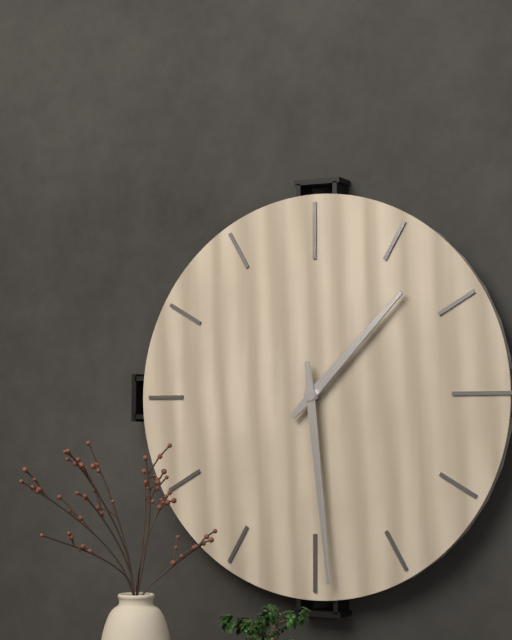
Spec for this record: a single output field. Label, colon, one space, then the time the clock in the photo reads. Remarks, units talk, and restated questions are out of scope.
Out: 1:29
